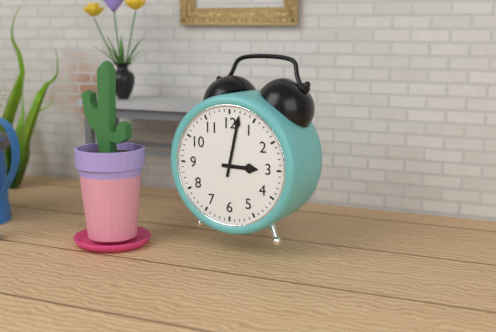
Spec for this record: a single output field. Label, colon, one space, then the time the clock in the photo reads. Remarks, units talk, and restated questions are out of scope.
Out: 3:02
